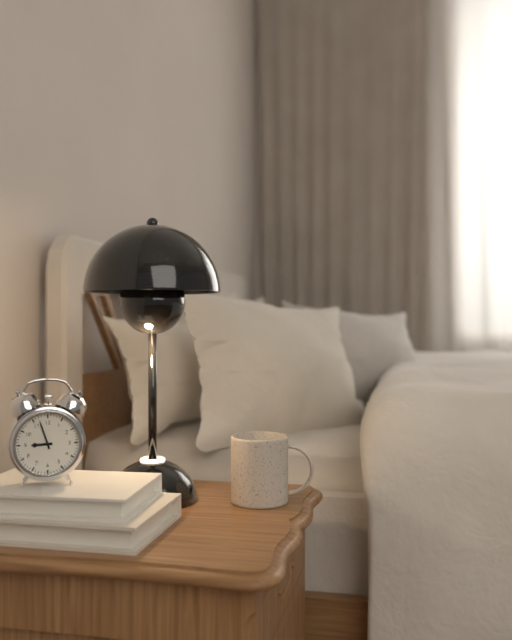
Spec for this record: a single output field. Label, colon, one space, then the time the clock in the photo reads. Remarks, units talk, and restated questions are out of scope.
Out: 8:57
